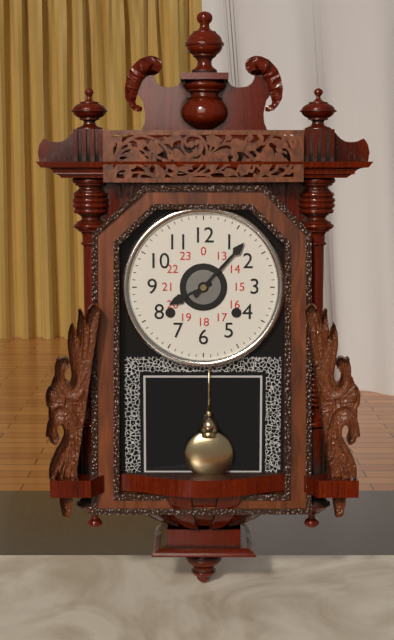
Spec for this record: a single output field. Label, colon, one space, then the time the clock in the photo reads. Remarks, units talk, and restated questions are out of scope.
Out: 8:07
